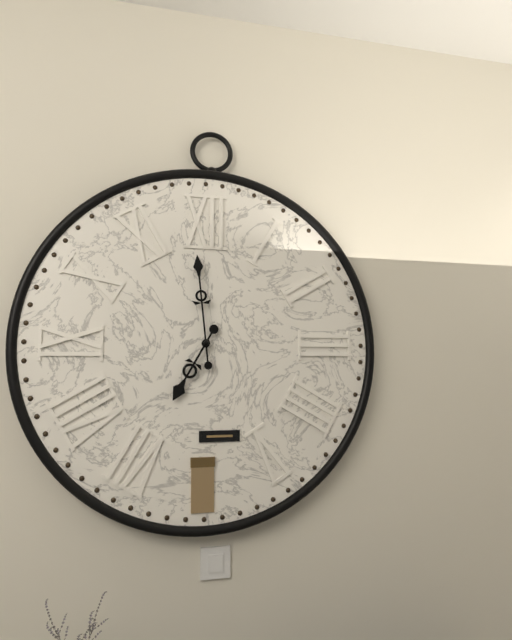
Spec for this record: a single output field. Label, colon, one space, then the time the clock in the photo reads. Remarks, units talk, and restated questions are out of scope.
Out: 6:59
